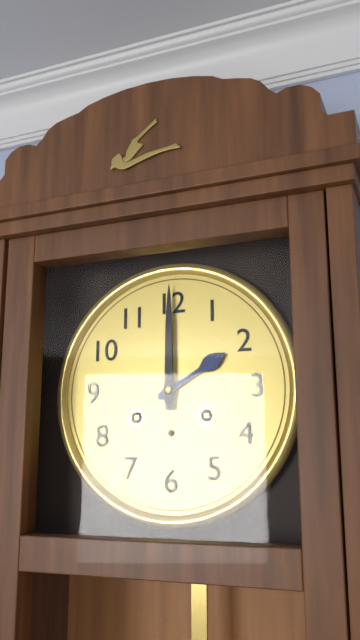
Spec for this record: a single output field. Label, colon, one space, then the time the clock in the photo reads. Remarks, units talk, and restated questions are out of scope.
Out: 2:00
